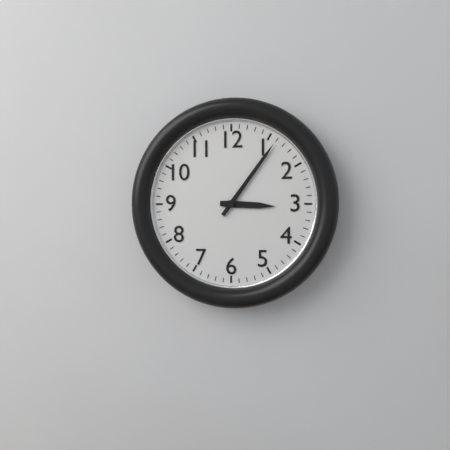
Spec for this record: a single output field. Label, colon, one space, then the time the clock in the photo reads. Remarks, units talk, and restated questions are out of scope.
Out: 3:06
